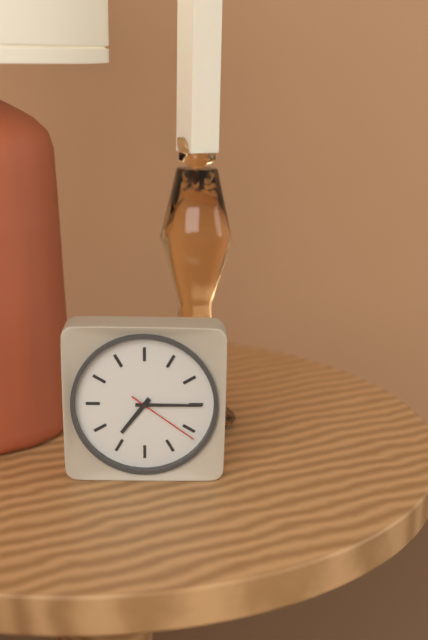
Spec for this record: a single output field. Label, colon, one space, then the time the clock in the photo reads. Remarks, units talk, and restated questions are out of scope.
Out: 7:15:21
